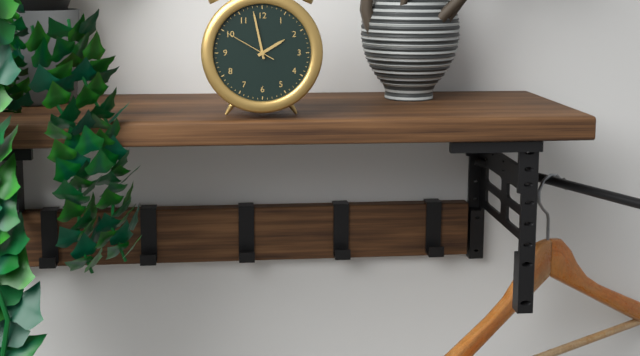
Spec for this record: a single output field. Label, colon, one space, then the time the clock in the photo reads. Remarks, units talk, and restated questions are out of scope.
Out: 1:58:50
